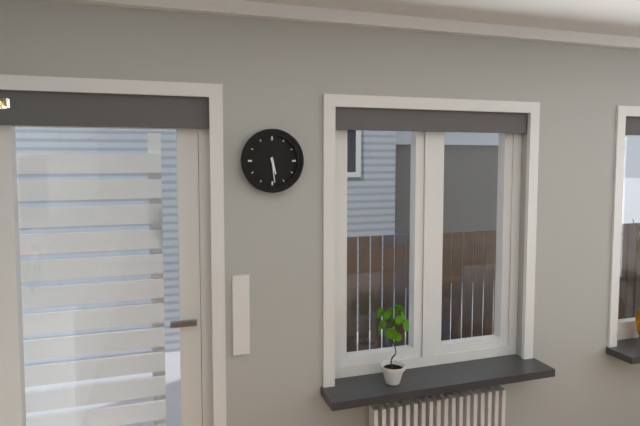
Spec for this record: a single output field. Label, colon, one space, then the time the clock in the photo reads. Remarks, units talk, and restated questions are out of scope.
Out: 5:29
